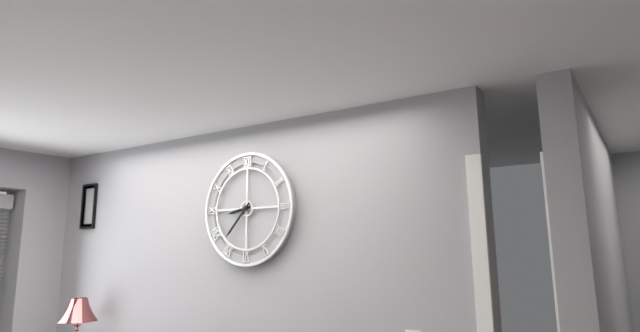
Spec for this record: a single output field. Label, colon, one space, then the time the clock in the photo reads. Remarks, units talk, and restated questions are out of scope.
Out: 8:37
